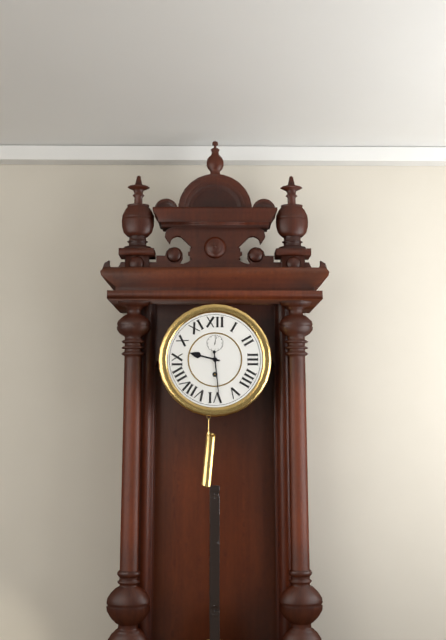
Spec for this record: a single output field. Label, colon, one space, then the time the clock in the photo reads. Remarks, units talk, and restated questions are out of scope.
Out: 9:29
